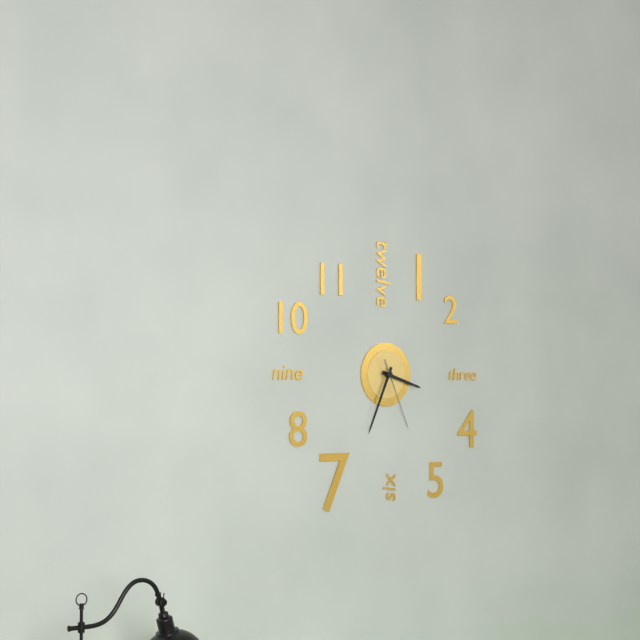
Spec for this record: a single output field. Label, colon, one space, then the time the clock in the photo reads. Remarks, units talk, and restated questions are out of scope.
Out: 3:34:26
